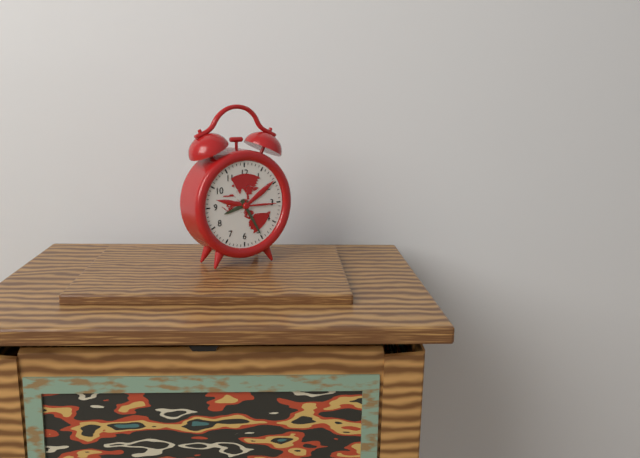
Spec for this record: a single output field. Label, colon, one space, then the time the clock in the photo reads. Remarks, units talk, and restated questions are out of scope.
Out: 8:25
